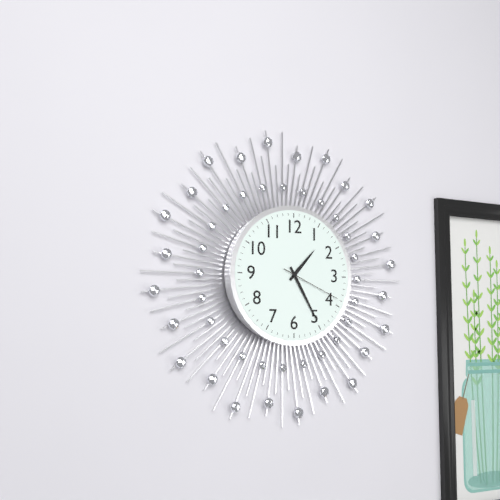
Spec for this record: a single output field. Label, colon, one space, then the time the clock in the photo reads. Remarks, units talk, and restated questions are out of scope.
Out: 1:25:19
